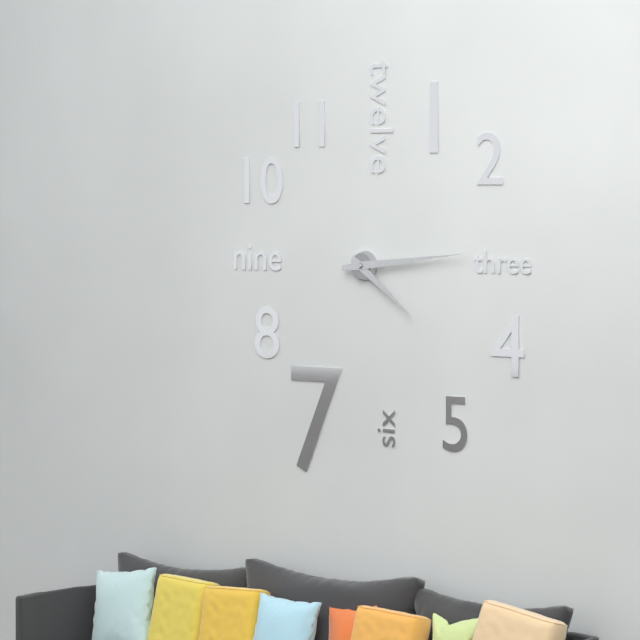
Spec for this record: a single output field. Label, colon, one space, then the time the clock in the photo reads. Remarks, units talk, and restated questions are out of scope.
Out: 4:14
